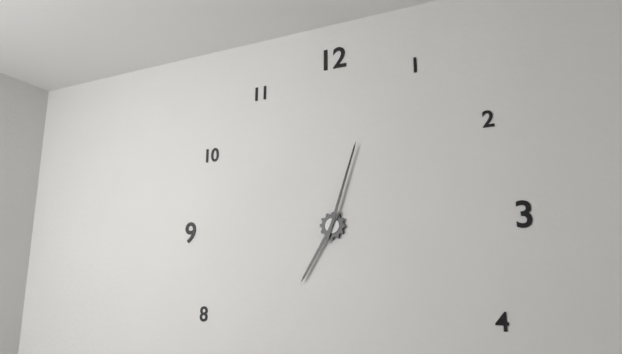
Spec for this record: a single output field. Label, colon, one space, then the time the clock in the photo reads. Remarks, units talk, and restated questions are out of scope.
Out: 7:03
